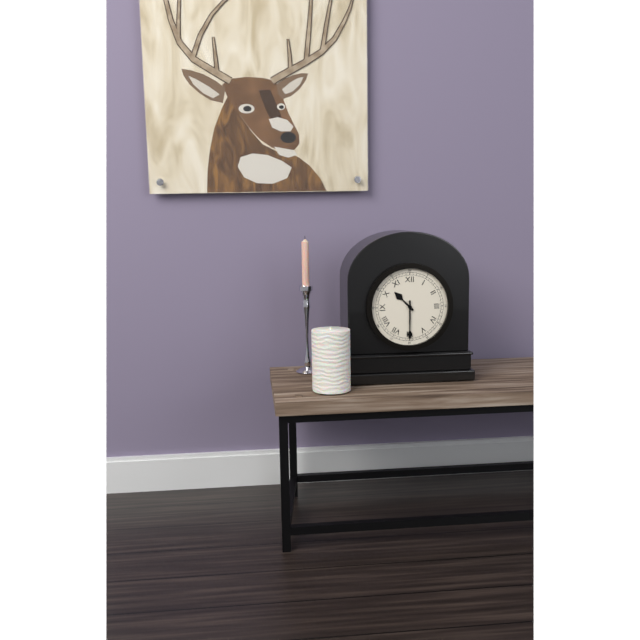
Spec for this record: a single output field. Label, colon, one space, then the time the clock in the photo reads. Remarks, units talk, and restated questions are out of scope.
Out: 10:30
